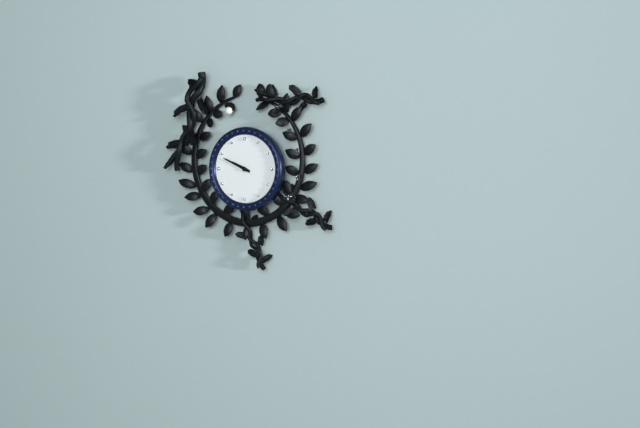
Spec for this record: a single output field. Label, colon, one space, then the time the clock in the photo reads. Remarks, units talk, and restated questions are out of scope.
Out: 9:49
